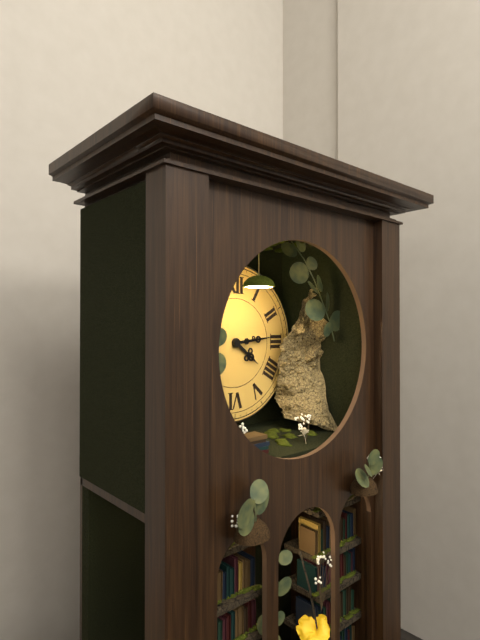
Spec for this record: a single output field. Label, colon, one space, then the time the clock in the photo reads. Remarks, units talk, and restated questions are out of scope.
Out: 4:14
